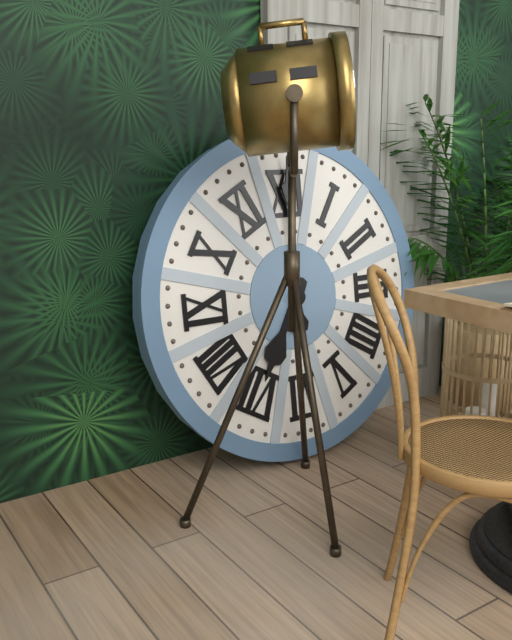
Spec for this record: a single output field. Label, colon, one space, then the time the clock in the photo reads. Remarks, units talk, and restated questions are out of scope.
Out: 7:00
